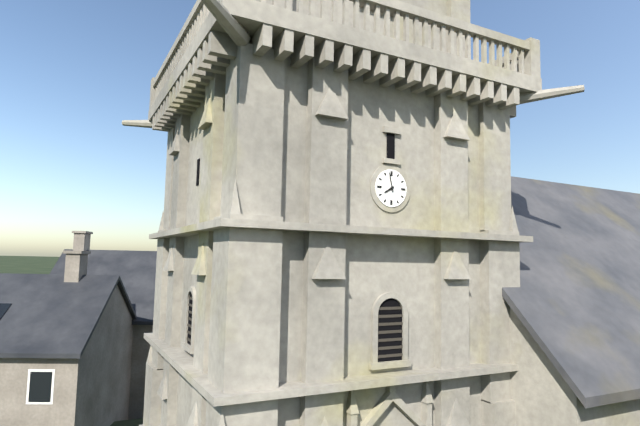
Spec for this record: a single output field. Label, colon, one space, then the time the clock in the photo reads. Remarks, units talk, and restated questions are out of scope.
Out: 7:58
